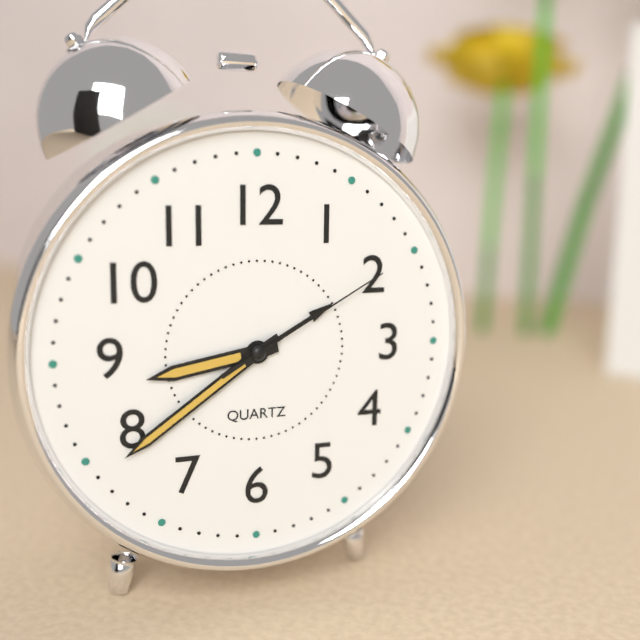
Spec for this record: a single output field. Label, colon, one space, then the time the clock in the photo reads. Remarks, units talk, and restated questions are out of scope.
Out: 8:39:10
